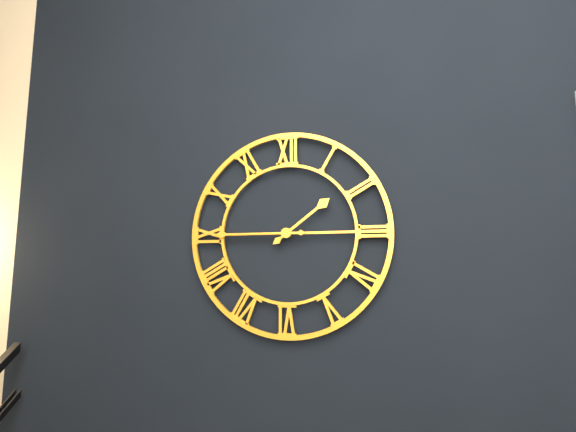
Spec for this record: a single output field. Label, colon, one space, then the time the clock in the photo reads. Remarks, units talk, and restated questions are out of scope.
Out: 1:45
